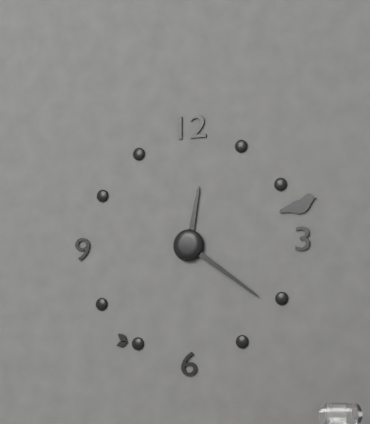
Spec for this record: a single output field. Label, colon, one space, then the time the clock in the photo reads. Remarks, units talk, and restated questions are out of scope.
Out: 12:21
